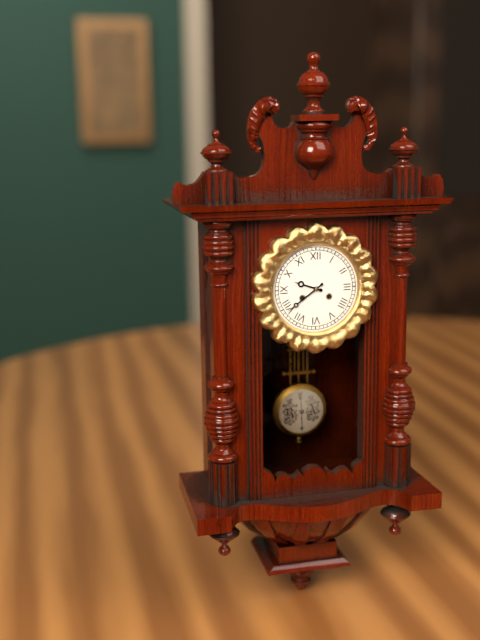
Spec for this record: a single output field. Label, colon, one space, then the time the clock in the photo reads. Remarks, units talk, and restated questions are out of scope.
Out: 9:39
